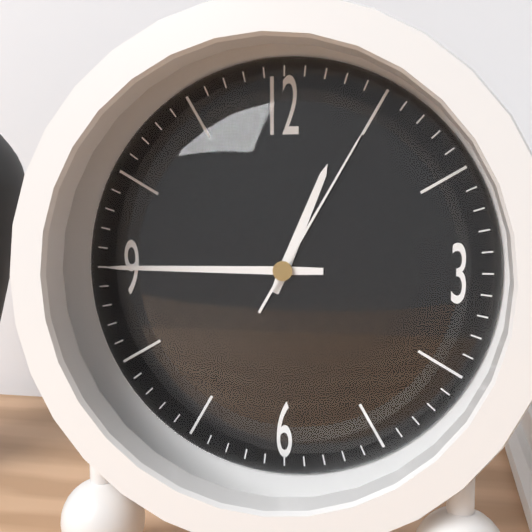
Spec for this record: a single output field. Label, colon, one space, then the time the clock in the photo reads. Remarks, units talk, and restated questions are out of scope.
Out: 12:45:05
